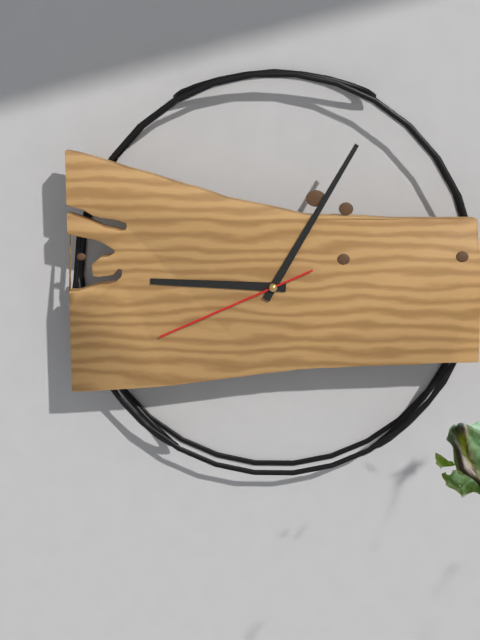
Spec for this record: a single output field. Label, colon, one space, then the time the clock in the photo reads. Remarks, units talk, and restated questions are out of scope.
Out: 9:05:41
